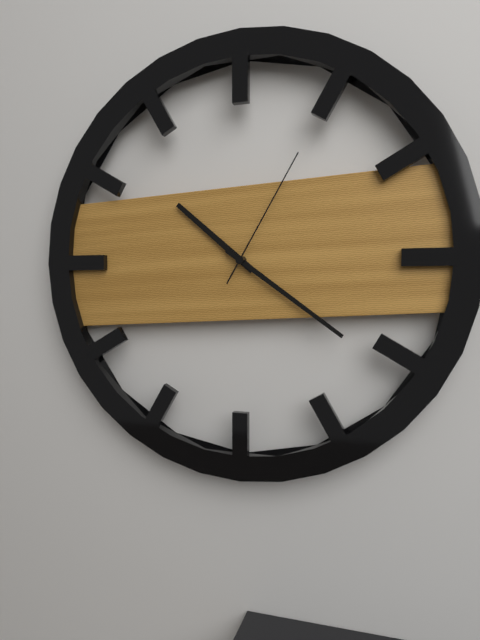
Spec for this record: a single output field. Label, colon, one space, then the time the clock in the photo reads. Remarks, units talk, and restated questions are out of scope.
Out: 10:21:05
